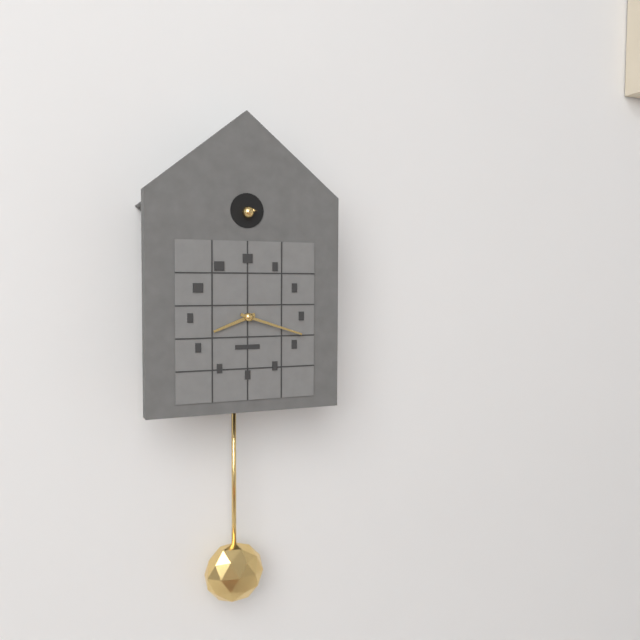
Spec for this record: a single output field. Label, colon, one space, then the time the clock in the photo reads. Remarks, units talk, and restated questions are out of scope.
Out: 8:18
